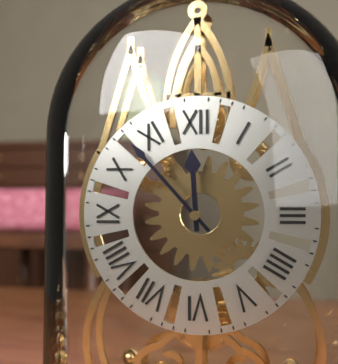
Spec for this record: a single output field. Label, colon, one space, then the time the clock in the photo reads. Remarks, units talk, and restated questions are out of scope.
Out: 11:53
